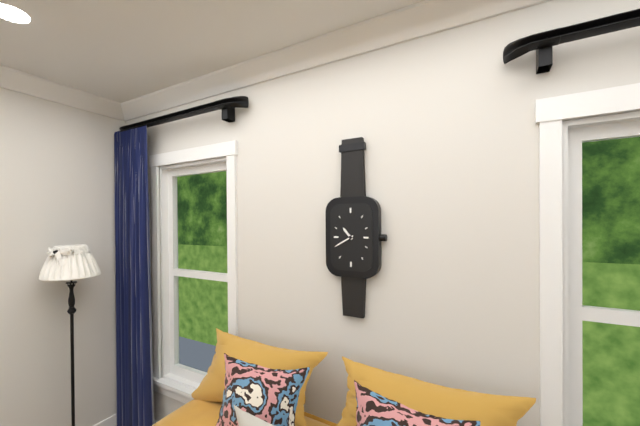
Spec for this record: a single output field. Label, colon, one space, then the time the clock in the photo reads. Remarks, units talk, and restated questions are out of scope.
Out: 10:40
